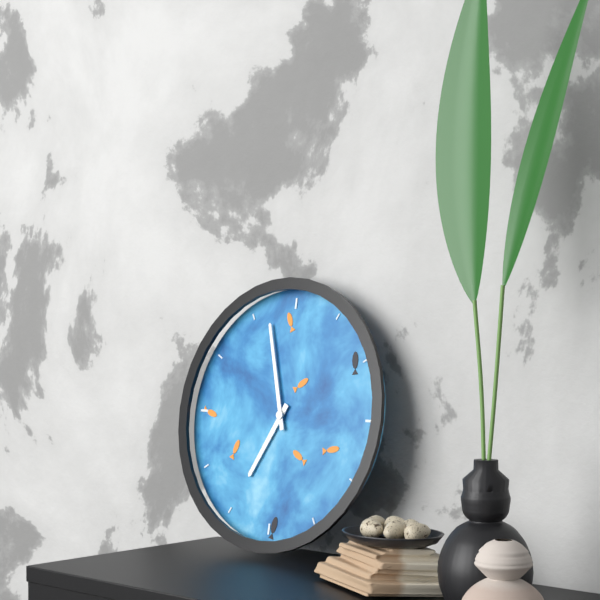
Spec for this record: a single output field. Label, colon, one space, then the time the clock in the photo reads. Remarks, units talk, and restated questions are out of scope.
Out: 6:57
